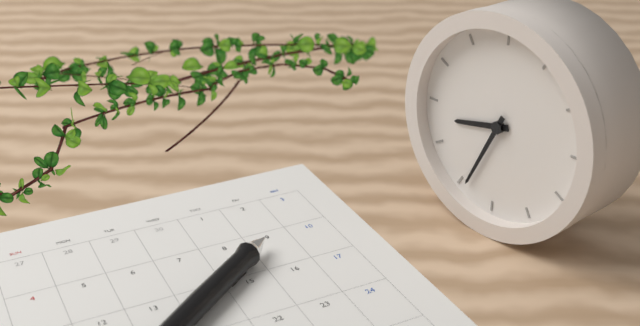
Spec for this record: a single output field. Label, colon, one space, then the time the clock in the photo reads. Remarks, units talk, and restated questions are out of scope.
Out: 8:34
